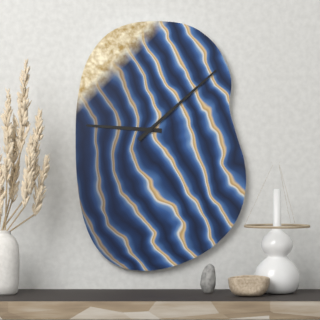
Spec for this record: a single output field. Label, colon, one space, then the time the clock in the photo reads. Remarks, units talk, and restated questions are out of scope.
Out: 9:08
